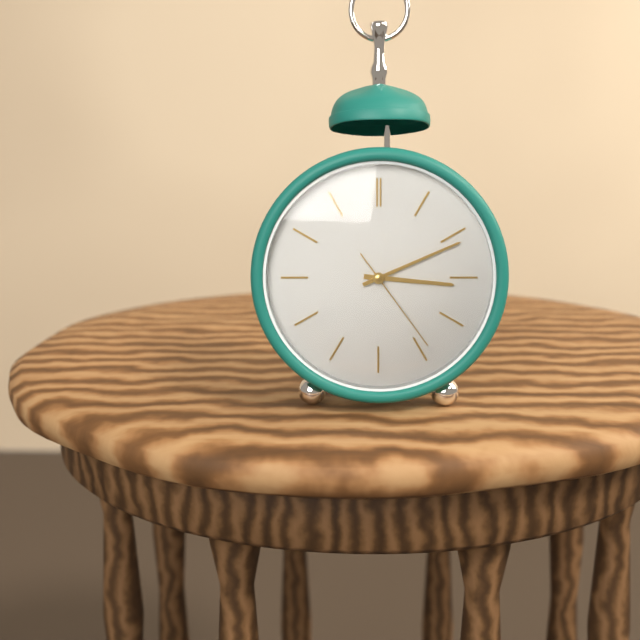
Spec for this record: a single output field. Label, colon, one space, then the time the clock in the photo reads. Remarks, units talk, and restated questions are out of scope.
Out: 3:11:24
